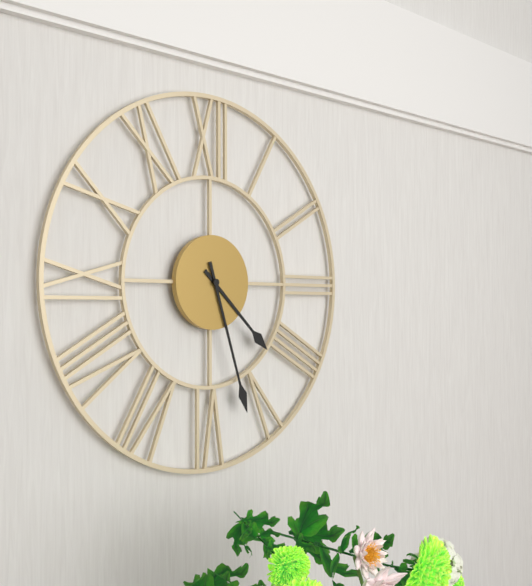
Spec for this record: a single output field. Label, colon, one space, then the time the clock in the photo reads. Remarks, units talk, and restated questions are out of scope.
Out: 4:27
